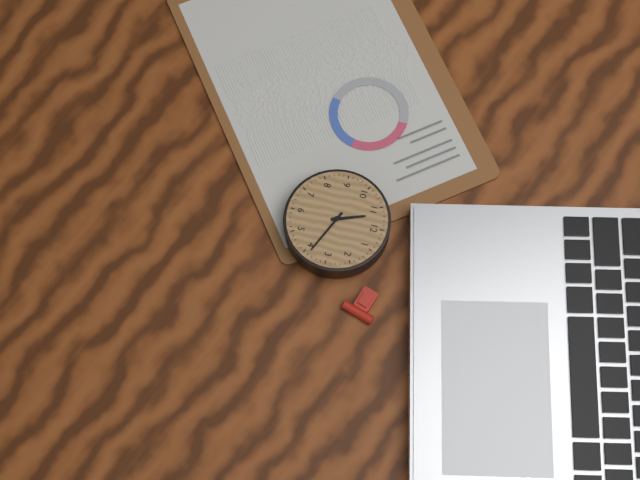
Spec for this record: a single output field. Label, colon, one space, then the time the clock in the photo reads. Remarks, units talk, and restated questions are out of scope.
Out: 11:19
